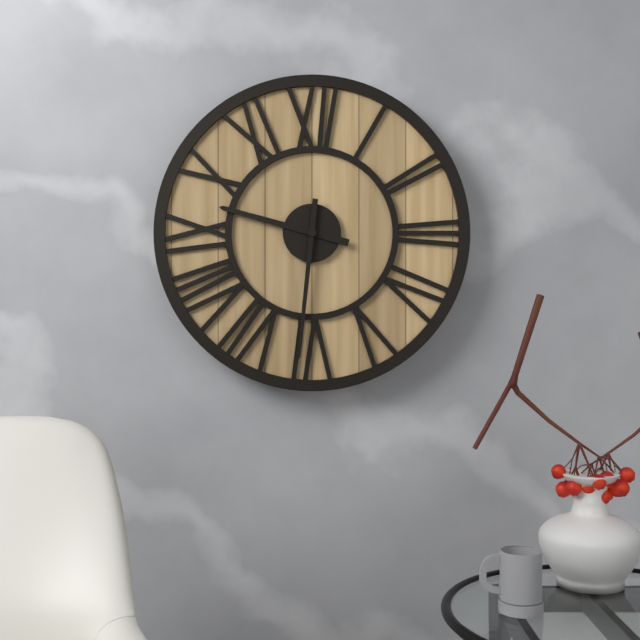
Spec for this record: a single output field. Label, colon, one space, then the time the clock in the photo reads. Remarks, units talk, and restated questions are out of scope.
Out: 9:31
